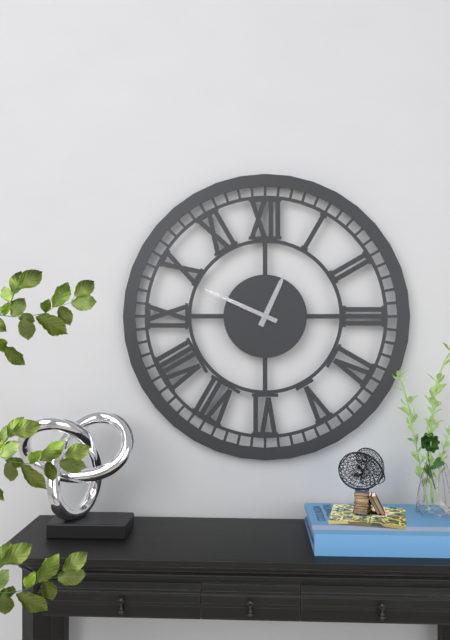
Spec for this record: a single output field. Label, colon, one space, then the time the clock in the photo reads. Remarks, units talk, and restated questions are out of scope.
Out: 12:49
